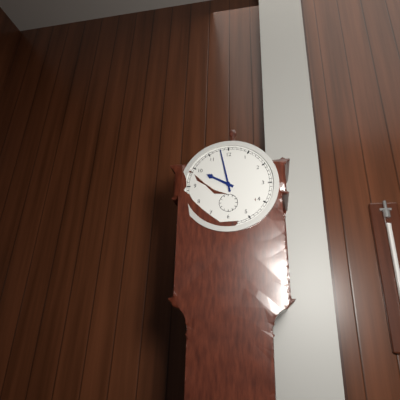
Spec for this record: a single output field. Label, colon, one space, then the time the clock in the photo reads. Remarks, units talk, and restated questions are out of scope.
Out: 9:58
